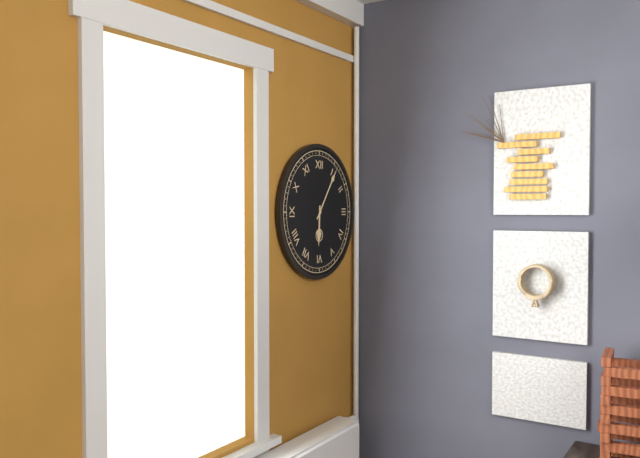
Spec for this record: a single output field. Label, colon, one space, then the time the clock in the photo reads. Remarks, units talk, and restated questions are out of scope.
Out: 6:06
